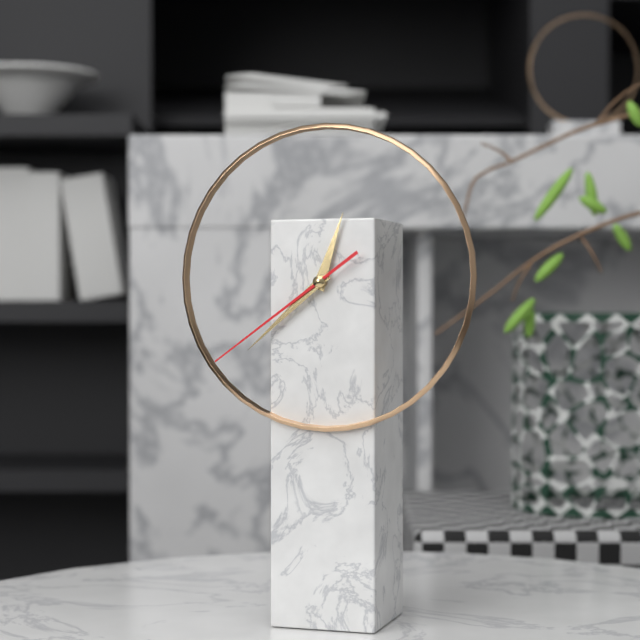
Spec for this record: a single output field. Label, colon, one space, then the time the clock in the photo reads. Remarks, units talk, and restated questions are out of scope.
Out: 12:38:39
